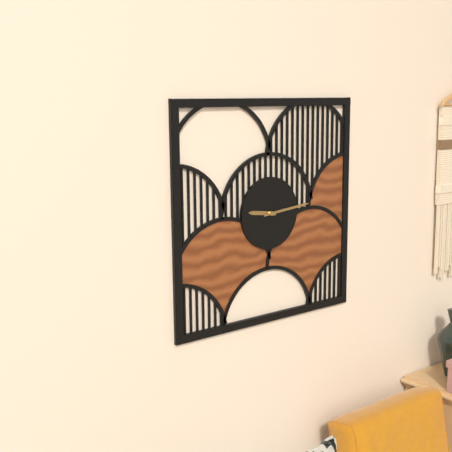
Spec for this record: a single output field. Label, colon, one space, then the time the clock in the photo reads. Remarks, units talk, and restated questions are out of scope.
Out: 9:14
